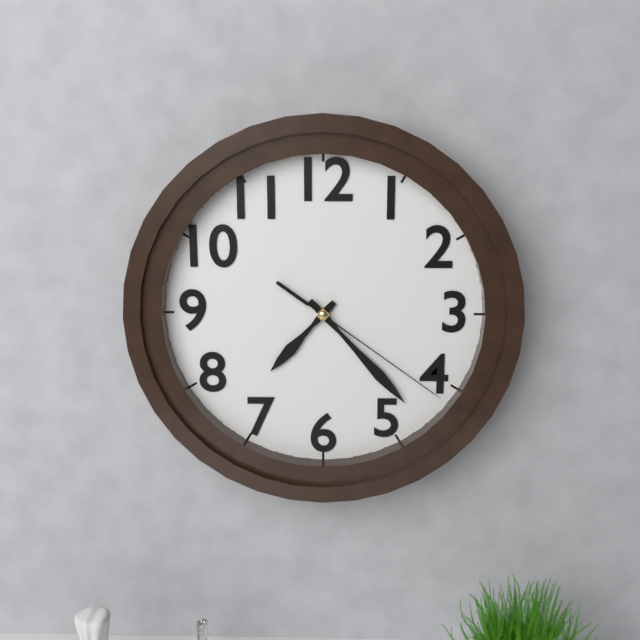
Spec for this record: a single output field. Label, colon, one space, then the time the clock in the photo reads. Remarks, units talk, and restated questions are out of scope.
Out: 7:23:21
